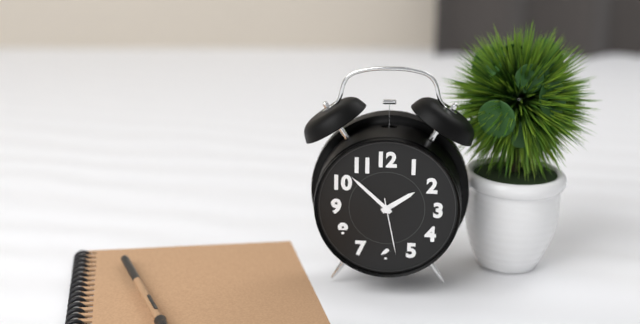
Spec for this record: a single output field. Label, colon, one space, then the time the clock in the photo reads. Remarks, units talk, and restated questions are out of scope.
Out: 1:52:28
